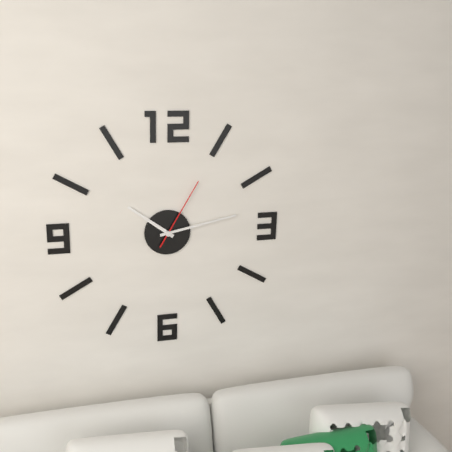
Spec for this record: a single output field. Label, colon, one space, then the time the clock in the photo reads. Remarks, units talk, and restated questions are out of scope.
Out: 10:13:05
